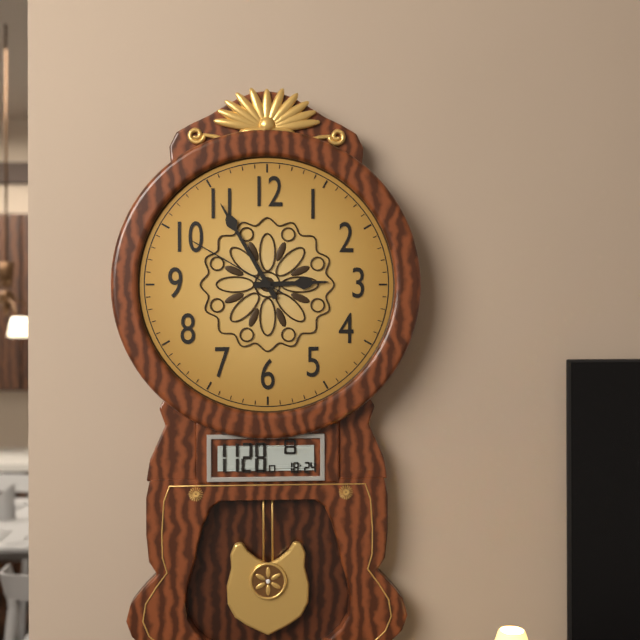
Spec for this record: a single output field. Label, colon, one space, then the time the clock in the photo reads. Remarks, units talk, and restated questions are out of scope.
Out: 2:55:50
